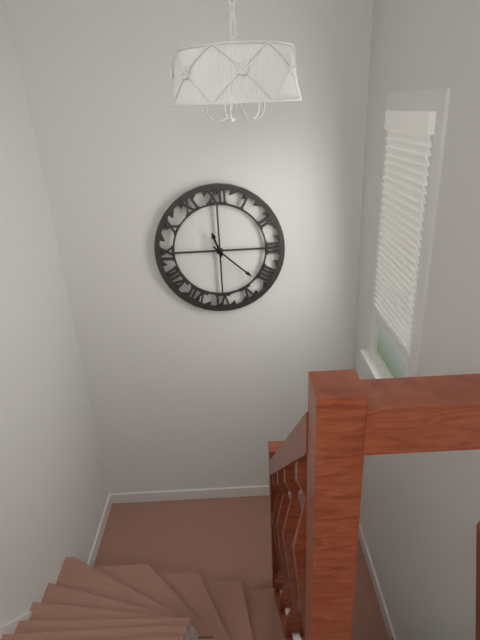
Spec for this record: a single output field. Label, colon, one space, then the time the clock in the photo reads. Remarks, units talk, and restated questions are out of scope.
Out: 11:22
